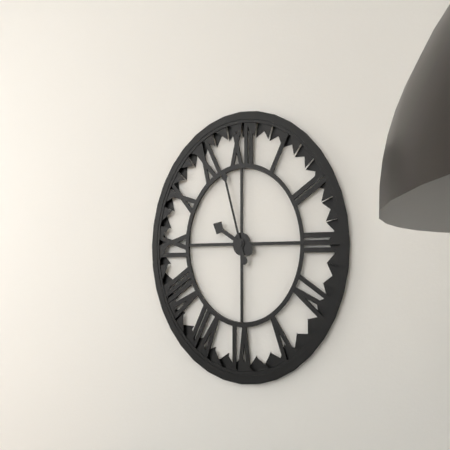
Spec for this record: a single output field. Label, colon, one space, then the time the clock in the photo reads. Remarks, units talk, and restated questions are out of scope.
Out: 9:57
